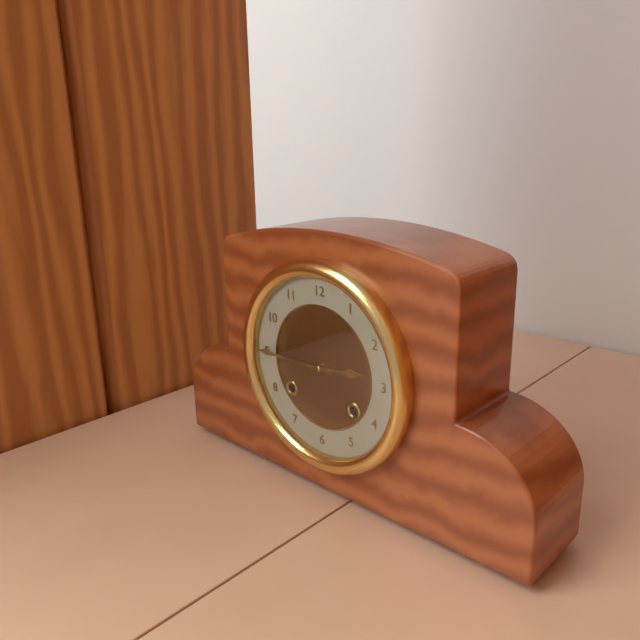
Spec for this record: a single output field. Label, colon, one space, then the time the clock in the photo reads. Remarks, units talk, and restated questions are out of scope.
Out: 2:45
